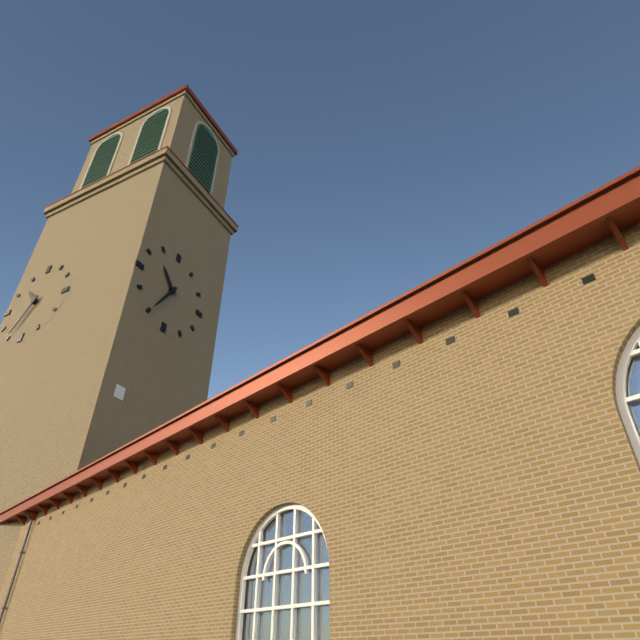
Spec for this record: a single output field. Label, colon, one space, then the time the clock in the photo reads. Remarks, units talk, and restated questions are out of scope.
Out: 10:35
